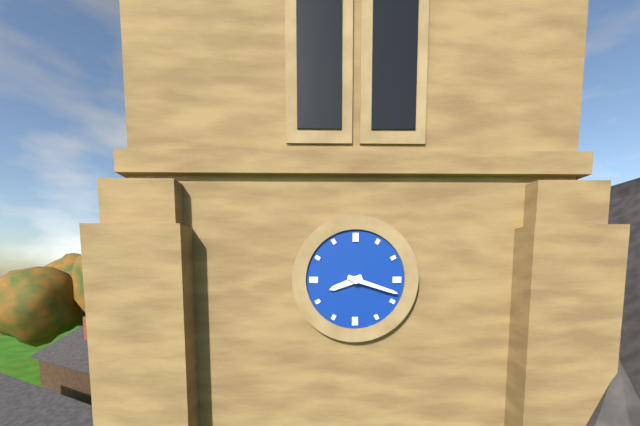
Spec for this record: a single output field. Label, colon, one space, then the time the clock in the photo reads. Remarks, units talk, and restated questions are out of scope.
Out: 8:18
